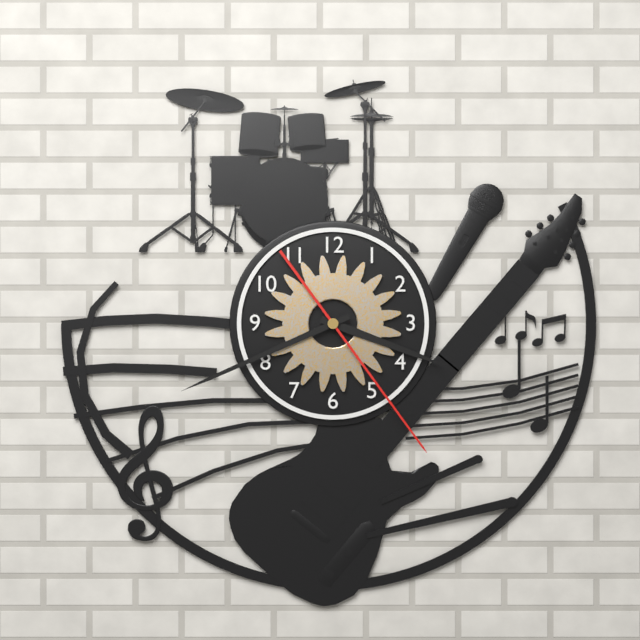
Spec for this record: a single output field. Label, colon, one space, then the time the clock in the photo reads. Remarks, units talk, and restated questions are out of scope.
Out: 3:41:24
